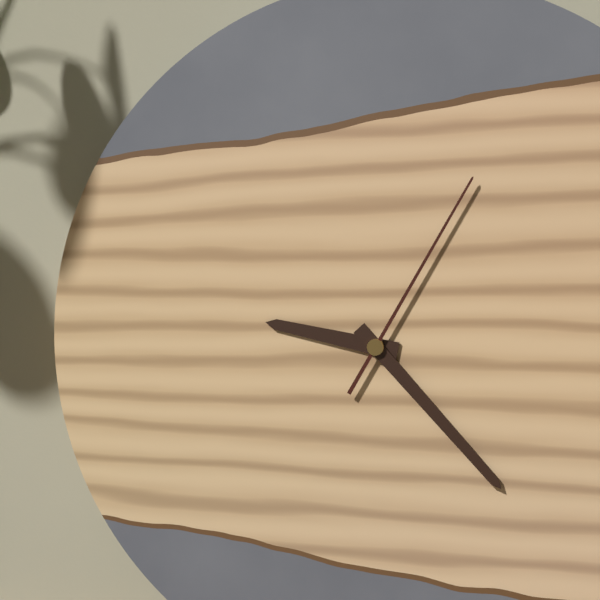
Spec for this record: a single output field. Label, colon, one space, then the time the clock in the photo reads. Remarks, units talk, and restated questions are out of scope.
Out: 9:23:05
